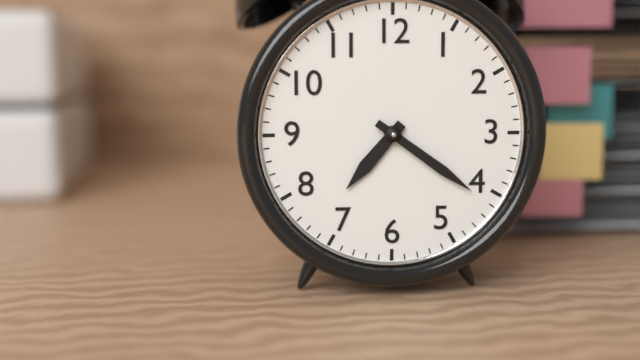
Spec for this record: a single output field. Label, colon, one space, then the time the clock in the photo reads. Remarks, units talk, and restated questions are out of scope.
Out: 7:21
